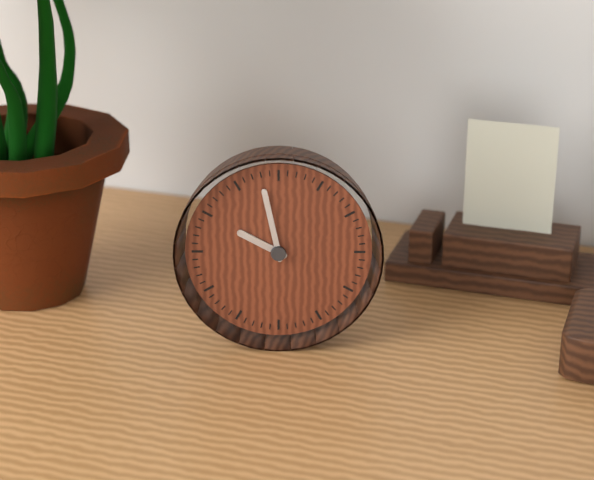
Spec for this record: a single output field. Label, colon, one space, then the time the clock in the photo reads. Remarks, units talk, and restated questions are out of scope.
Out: 9:58
